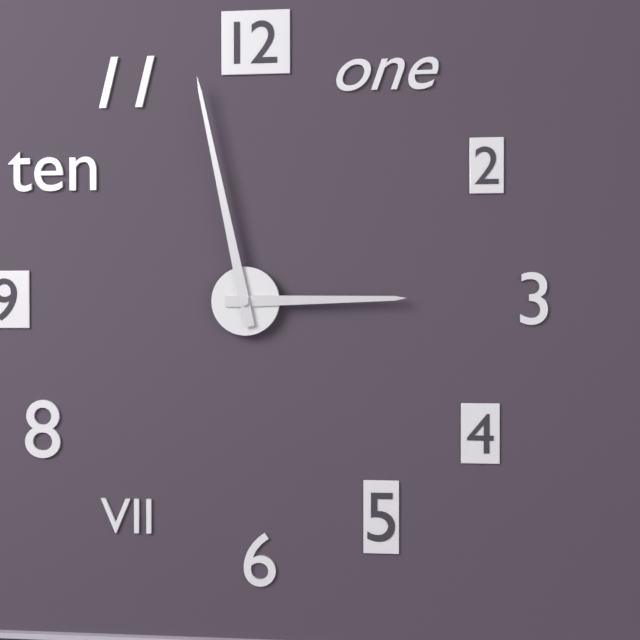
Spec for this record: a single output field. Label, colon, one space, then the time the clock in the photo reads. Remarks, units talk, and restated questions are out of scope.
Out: 2:58
